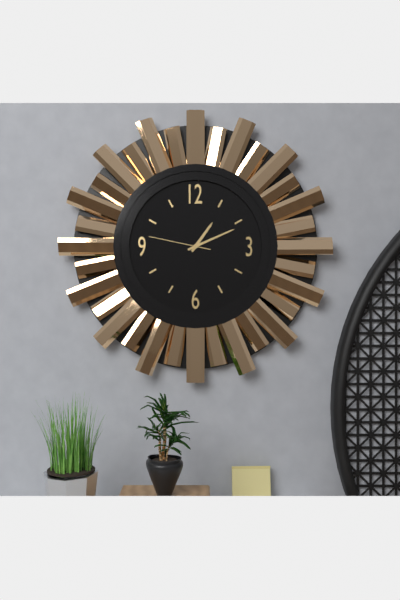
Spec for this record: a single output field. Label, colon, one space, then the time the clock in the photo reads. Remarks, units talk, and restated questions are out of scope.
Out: 1:11:47
